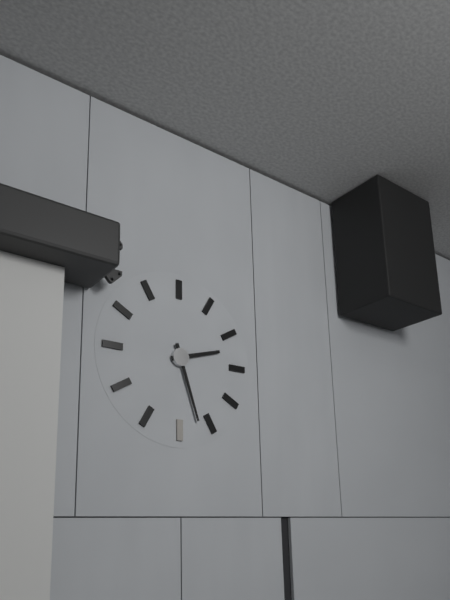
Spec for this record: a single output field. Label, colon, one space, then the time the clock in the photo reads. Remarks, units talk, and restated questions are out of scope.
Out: 2:27
